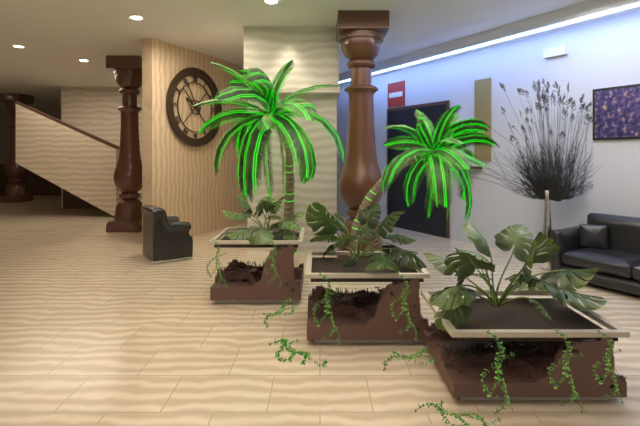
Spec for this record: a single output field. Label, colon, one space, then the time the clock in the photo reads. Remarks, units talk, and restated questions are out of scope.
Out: 9:55
